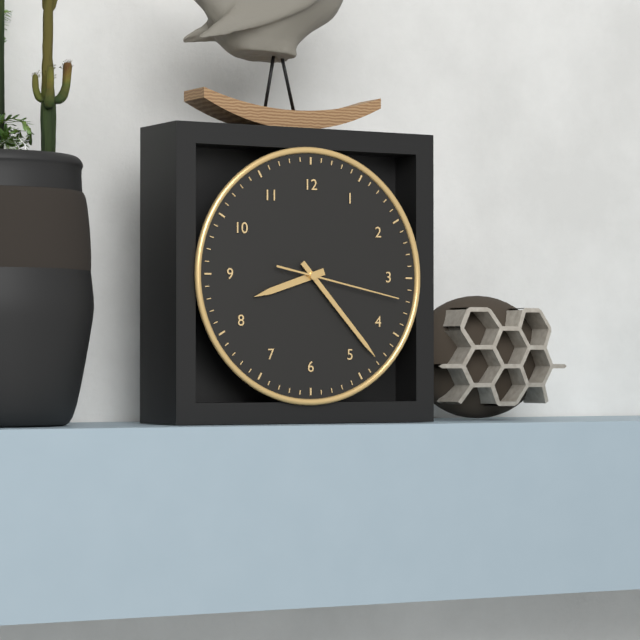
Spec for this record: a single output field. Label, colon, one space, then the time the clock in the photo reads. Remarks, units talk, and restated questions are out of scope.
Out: 8:23:17
